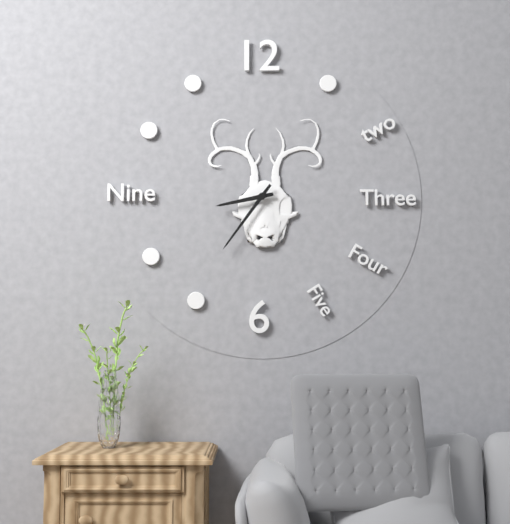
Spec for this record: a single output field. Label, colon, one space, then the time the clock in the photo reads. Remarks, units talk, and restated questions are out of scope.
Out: 8:36
